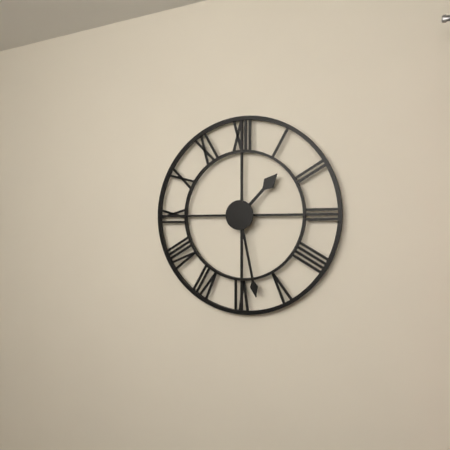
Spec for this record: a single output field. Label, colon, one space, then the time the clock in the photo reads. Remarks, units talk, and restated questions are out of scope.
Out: 1:28
